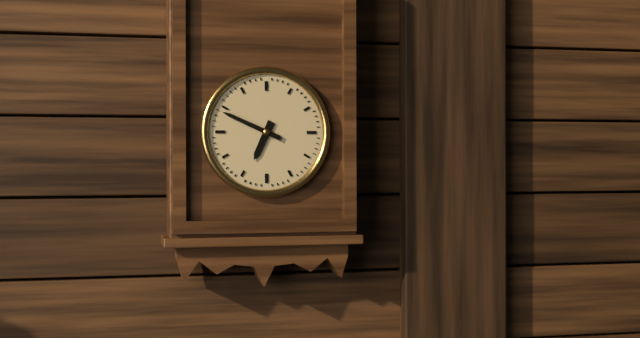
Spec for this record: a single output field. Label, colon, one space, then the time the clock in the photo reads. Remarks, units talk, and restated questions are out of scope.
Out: 6:49
